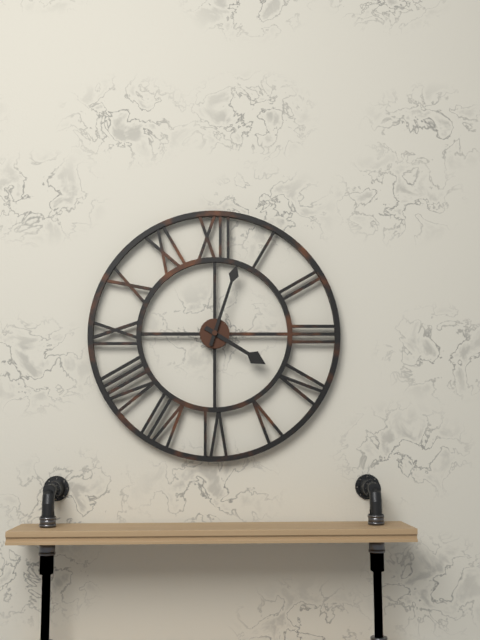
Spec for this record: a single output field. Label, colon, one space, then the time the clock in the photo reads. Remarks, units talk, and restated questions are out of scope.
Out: 4:03
